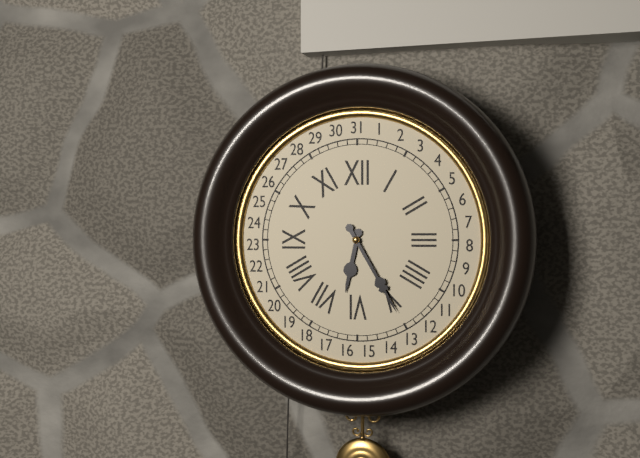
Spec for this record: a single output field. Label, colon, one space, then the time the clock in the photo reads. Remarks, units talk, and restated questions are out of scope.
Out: 6:25
